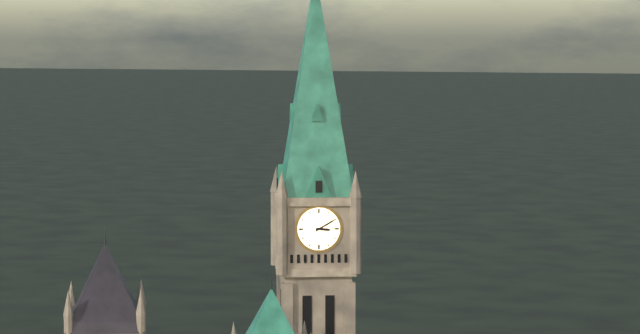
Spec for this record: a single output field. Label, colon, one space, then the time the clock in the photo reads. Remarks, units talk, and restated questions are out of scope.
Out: 3:10
